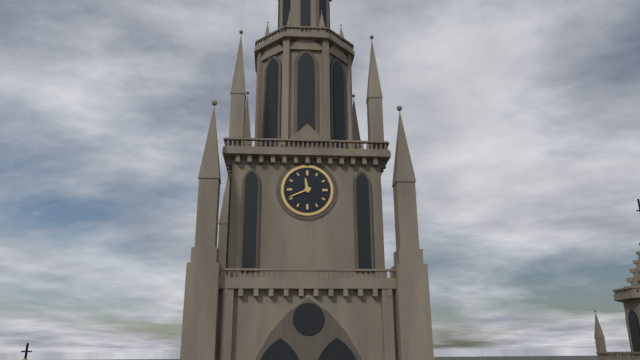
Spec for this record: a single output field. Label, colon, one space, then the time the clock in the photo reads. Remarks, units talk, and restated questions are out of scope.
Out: 11:41
